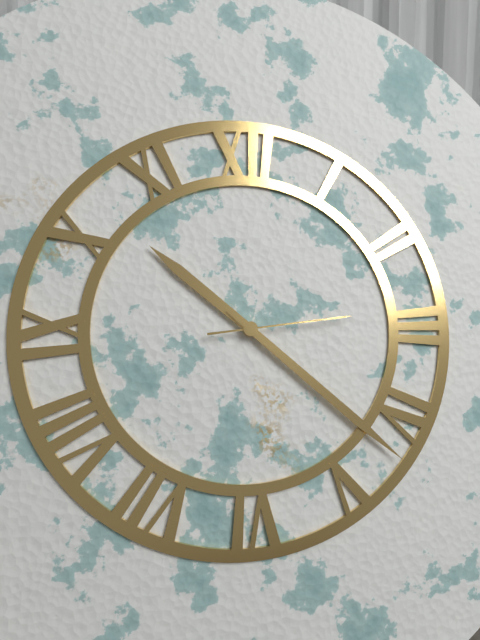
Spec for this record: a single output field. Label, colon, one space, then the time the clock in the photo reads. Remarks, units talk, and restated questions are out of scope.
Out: 10:22:14
